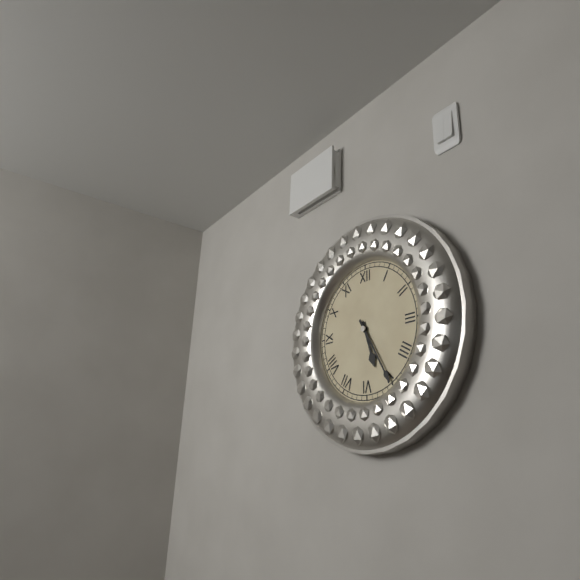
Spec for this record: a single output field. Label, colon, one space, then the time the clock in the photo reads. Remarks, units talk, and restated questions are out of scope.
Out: 5:25
